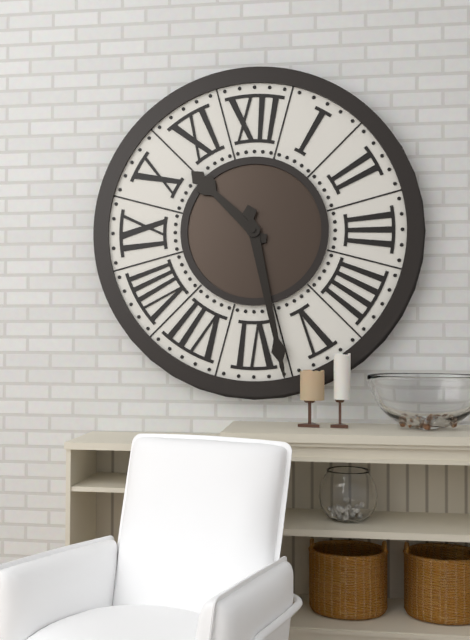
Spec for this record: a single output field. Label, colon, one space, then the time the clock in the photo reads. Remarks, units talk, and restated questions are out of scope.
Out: 10:28
